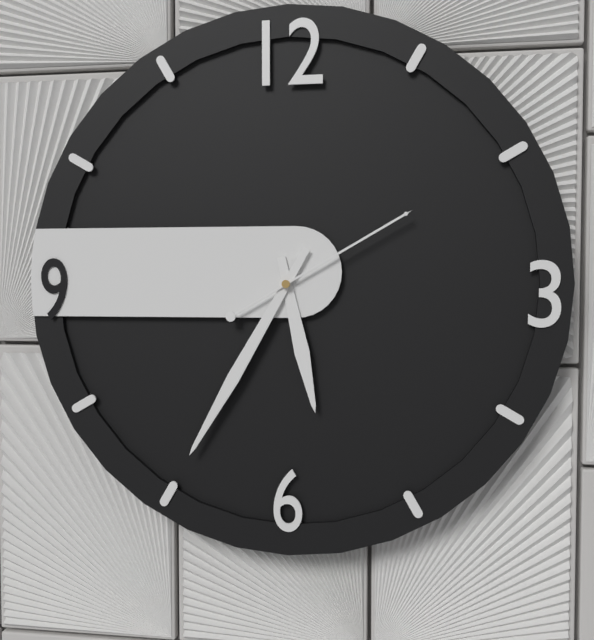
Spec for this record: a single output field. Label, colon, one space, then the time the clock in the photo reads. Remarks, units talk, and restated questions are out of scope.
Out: 5:35:10
